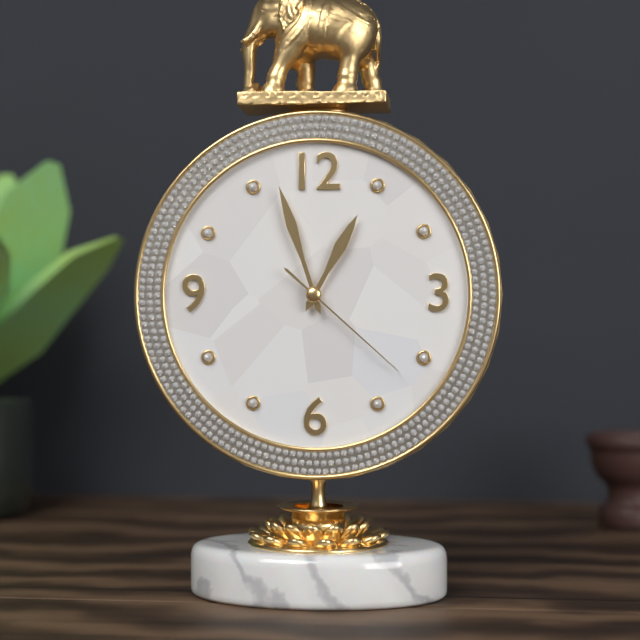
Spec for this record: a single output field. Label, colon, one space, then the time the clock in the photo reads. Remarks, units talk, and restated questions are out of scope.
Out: 12:57:22
